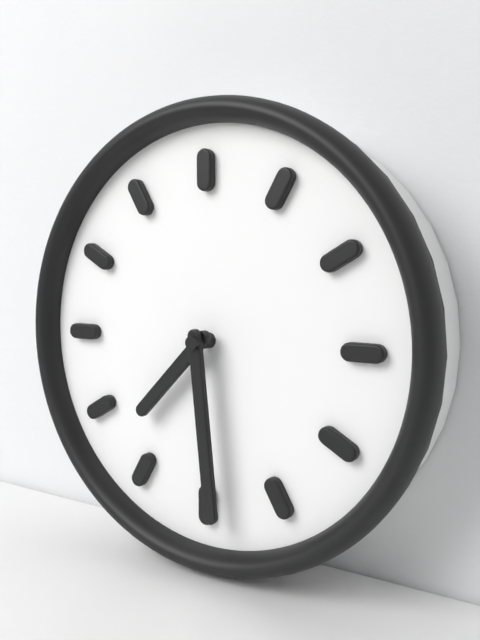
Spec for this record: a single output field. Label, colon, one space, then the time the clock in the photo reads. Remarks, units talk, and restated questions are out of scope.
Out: 7:29
